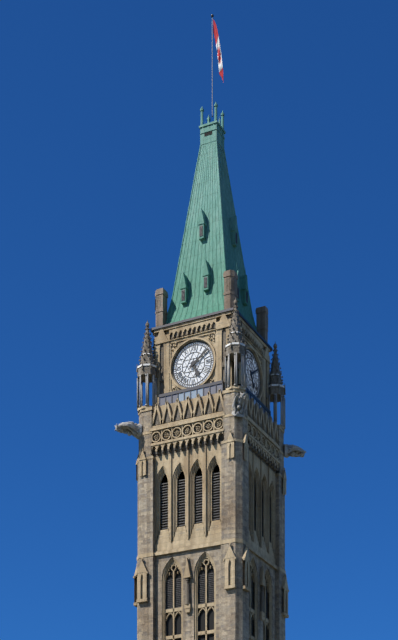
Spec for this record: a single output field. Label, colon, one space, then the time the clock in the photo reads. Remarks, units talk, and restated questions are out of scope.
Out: 5:09
